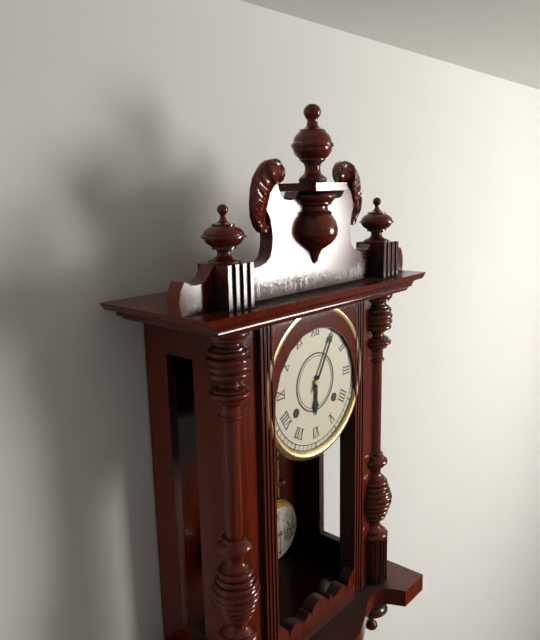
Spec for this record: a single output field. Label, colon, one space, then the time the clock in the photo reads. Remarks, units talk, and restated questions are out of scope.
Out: 6:05
